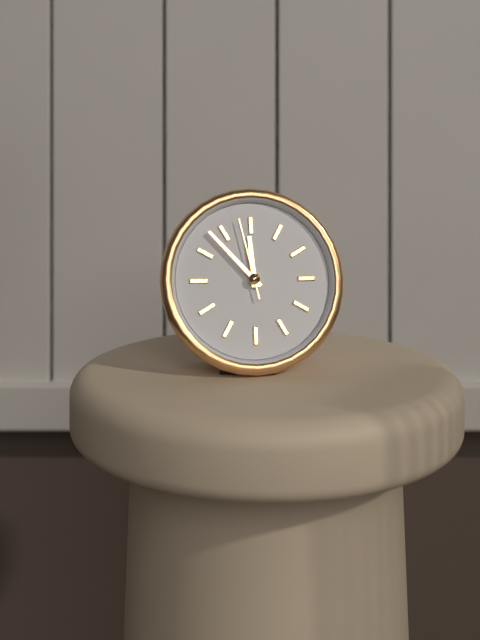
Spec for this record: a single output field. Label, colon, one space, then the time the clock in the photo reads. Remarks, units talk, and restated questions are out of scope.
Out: 11:53:58
